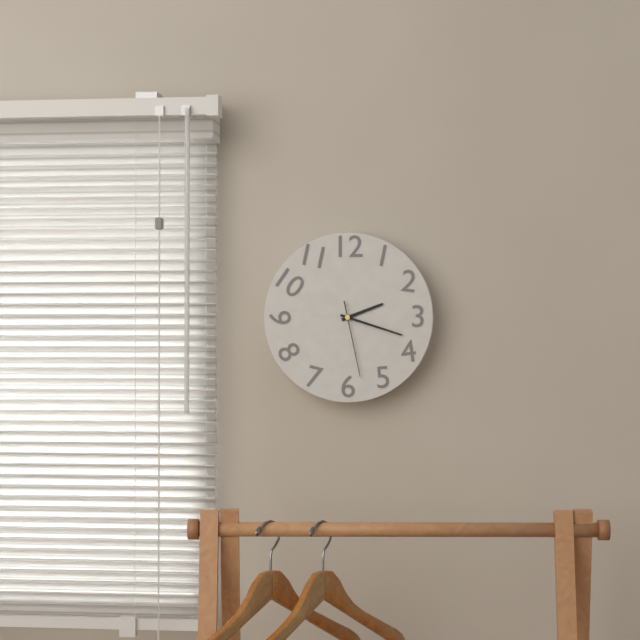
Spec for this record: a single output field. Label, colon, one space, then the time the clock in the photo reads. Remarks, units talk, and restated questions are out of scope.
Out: 2:18:28
